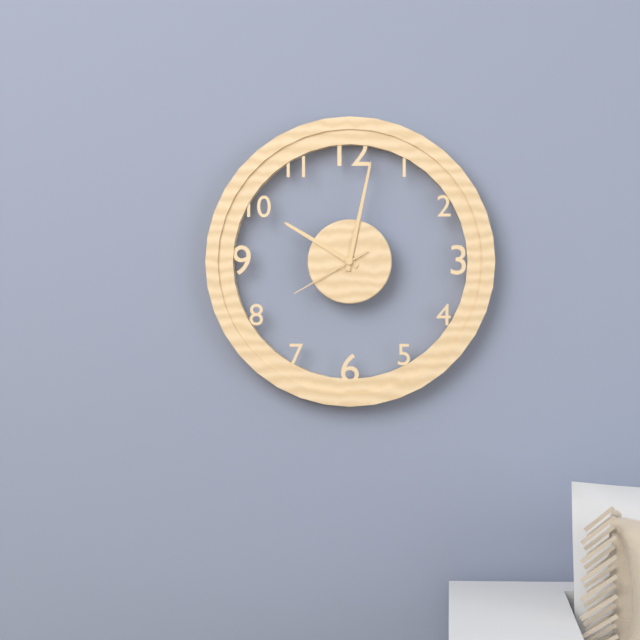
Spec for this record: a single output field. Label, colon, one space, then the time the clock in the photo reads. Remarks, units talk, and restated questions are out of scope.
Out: 10:02:40
